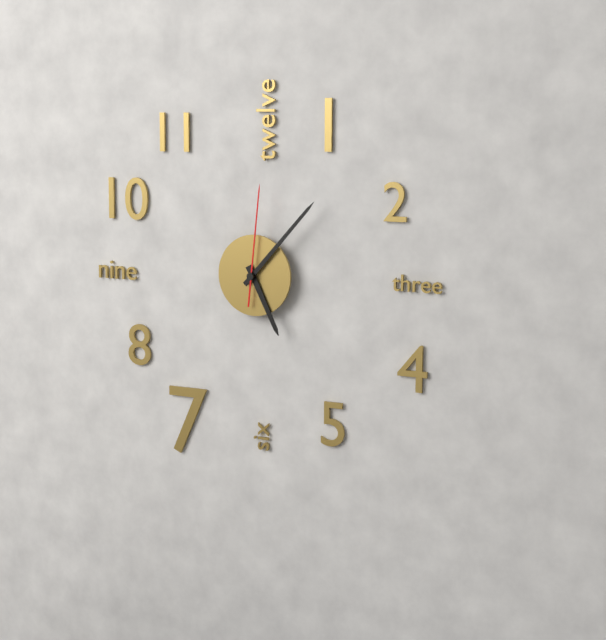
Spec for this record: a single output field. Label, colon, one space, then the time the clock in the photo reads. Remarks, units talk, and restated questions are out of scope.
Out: 5:07:01
